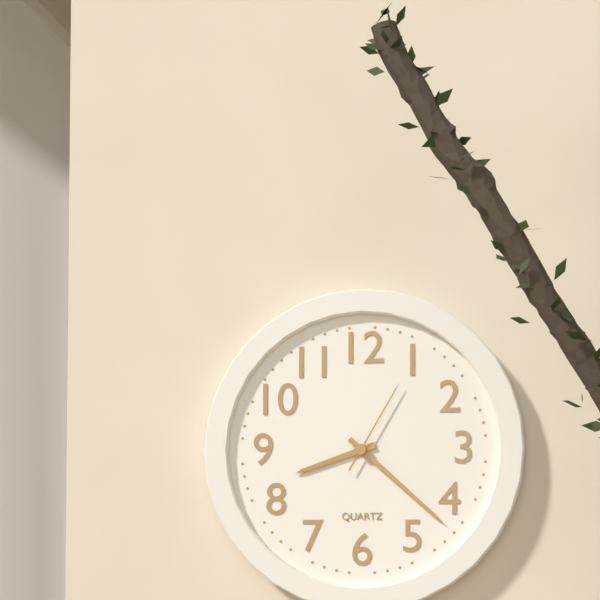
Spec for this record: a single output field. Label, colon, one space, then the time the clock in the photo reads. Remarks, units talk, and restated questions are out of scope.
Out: 8:22:05
